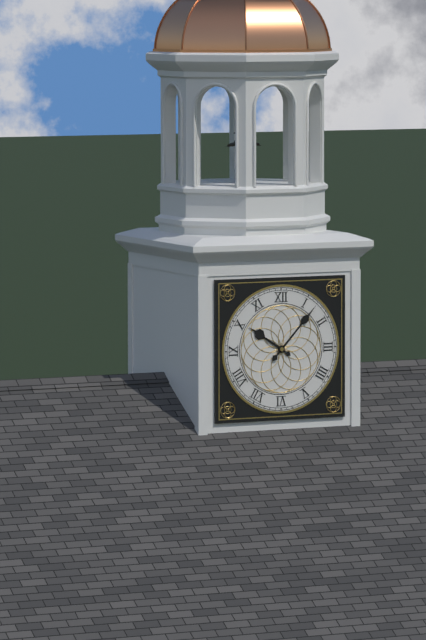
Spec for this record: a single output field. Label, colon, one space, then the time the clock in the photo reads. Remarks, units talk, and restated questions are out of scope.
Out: 10:07
